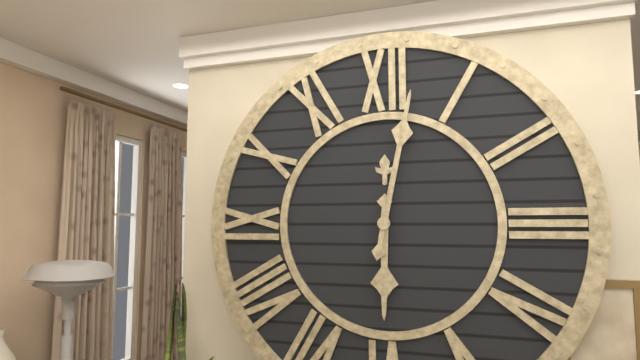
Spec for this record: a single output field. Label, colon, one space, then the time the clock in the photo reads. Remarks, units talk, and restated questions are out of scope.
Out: 6:02
